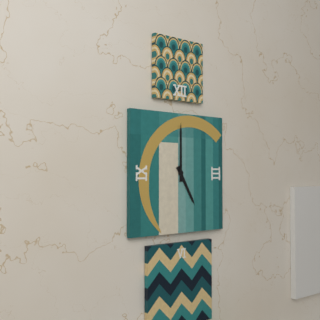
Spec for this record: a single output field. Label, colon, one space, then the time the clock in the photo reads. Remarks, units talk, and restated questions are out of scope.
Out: 5:00
